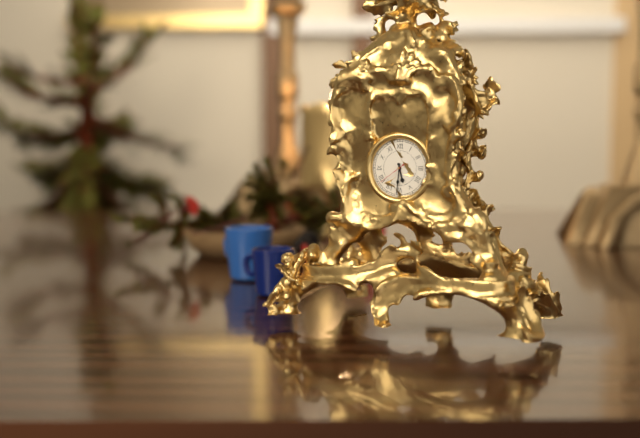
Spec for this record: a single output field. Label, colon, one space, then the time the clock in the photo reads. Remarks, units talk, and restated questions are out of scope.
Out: 5:31
